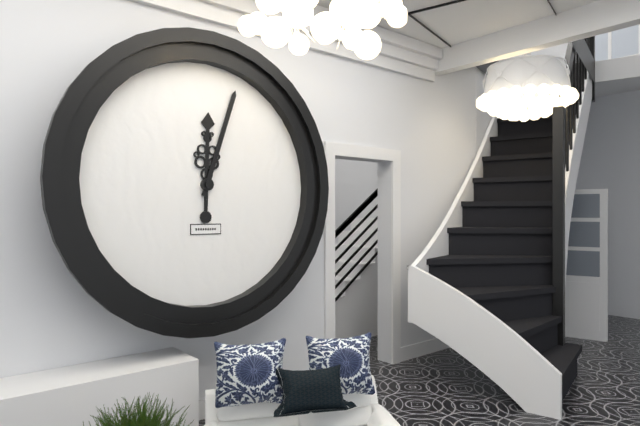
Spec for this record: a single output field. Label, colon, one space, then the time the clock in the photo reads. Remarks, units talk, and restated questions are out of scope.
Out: 12:03
